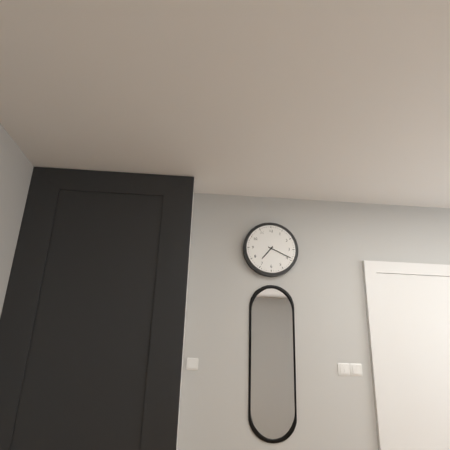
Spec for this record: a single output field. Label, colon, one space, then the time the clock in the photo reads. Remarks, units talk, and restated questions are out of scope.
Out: 7:19
